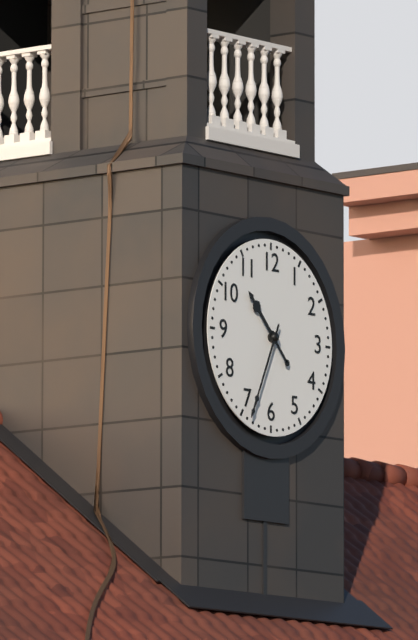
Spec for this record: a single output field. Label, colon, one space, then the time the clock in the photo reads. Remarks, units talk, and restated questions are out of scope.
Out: 10:34
